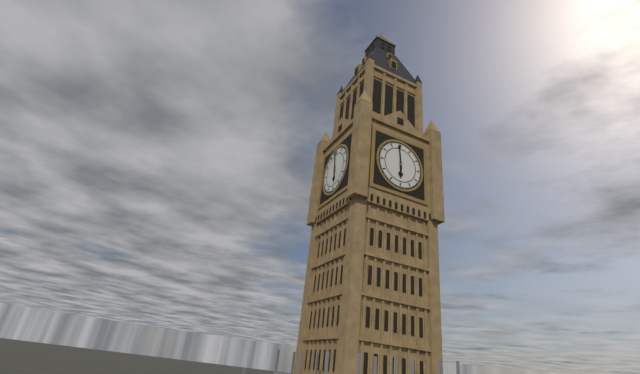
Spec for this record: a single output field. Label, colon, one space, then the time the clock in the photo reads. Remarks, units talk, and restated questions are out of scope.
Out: 5:59
